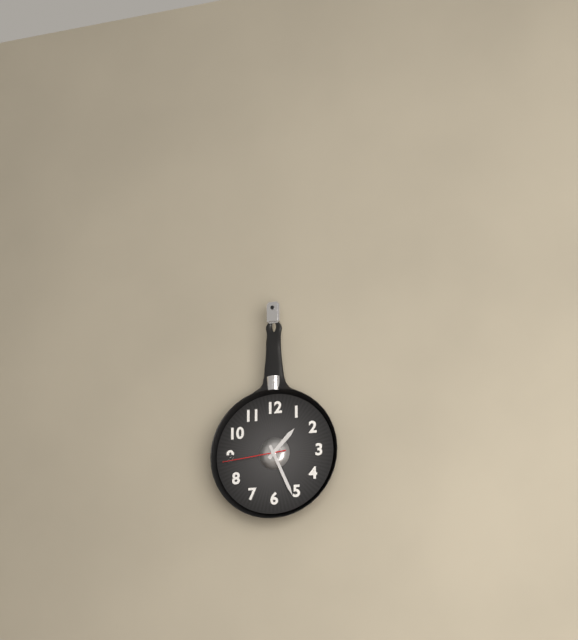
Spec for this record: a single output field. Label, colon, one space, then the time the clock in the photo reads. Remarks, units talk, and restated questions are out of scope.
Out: 1:26:44
